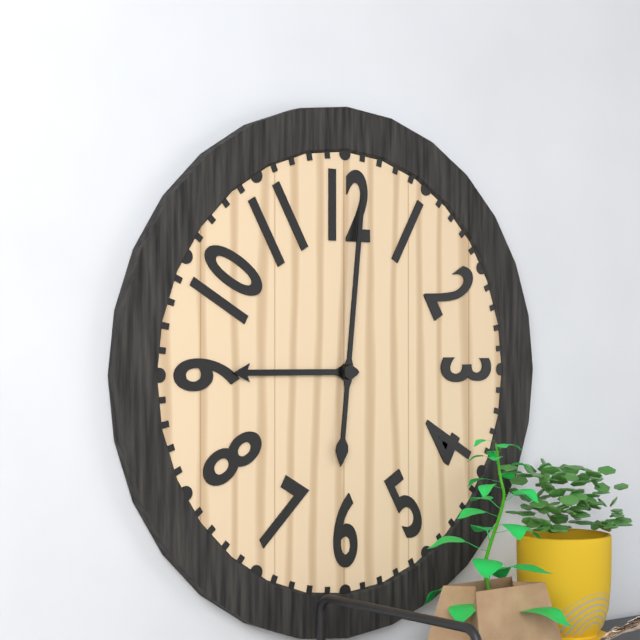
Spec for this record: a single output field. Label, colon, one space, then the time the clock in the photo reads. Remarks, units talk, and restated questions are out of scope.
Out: 9:01
